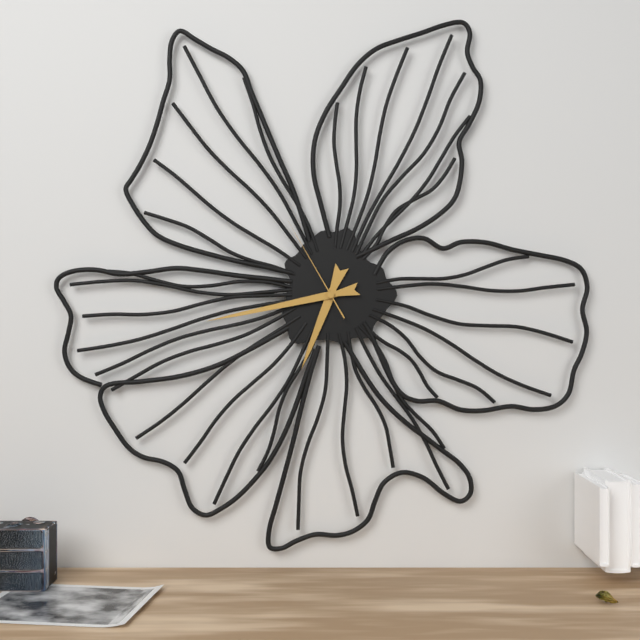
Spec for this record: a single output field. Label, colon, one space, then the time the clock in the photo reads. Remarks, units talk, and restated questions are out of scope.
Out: 6:43:55
